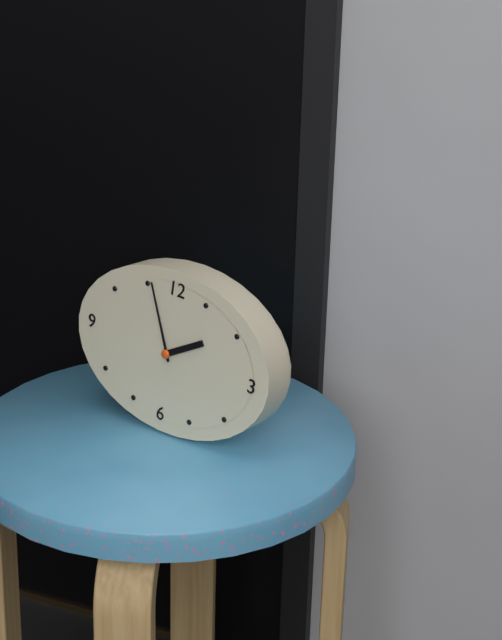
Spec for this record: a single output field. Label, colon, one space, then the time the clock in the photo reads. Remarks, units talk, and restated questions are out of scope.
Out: 1:56
